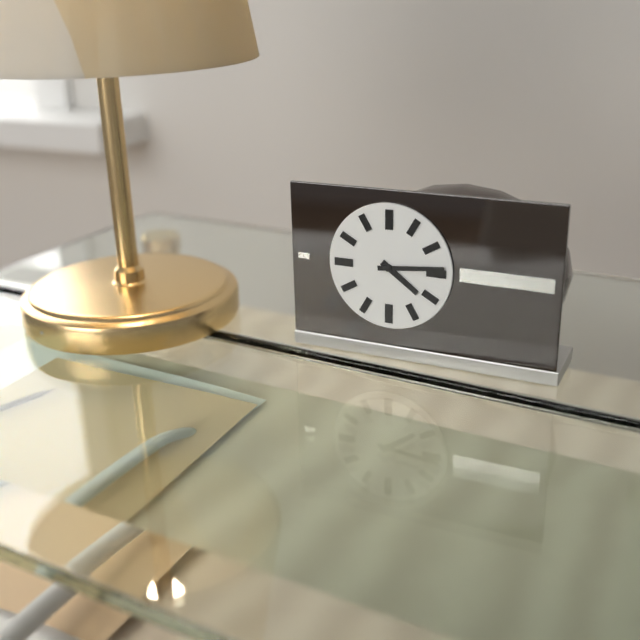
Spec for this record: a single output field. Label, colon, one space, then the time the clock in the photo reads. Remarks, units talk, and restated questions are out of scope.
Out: 4:14
